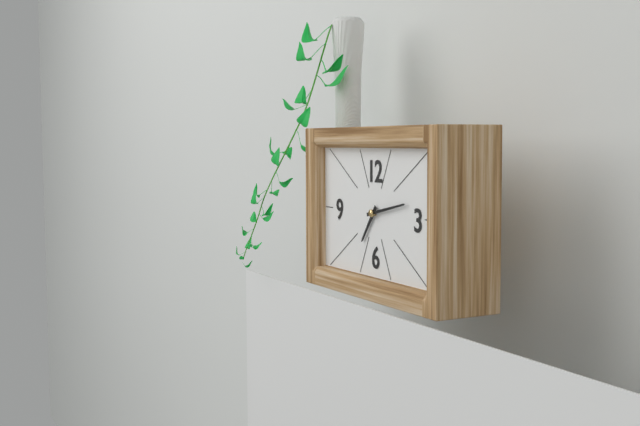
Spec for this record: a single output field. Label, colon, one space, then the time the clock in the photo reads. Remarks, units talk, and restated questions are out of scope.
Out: 7:13
